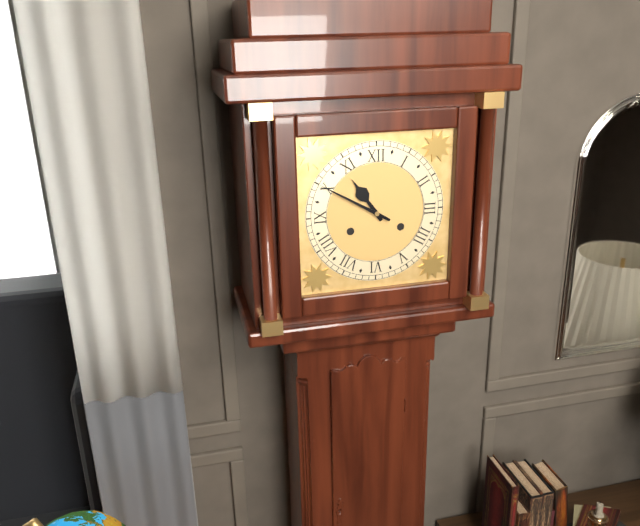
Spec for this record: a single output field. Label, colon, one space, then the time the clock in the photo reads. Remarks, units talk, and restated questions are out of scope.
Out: 10:50
